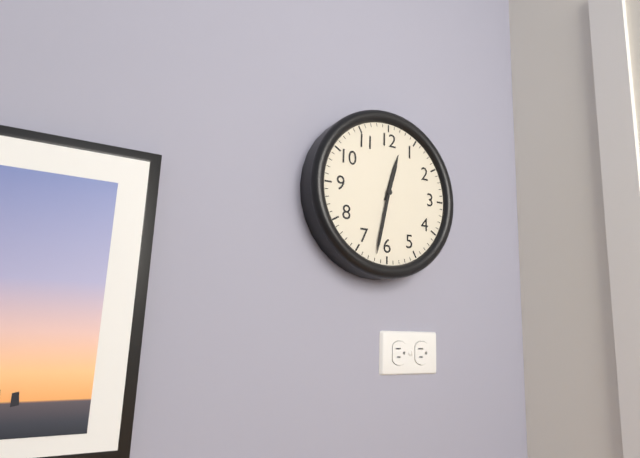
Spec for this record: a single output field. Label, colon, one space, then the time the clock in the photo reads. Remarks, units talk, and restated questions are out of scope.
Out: 12:32
